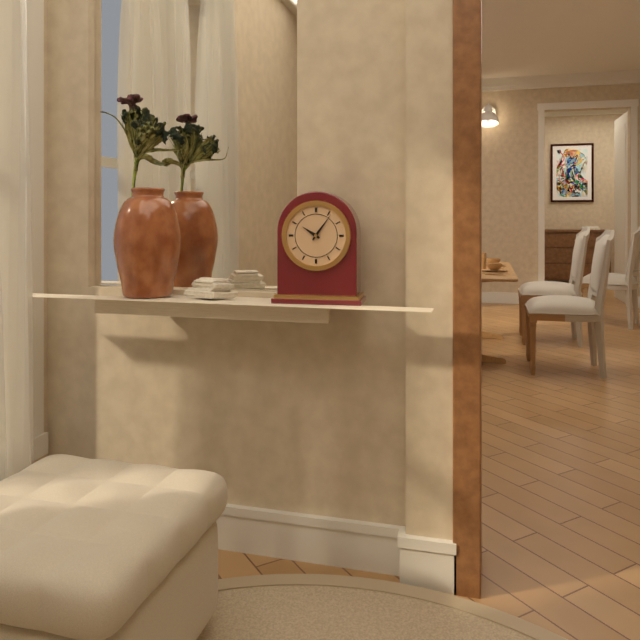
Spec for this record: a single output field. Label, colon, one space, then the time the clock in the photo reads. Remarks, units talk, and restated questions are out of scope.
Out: 10:06
